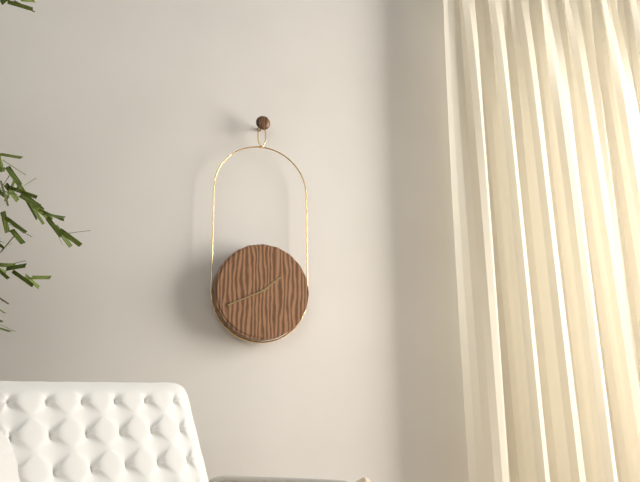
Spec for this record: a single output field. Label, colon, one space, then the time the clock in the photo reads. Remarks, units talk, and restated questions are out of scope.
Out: 1:41
